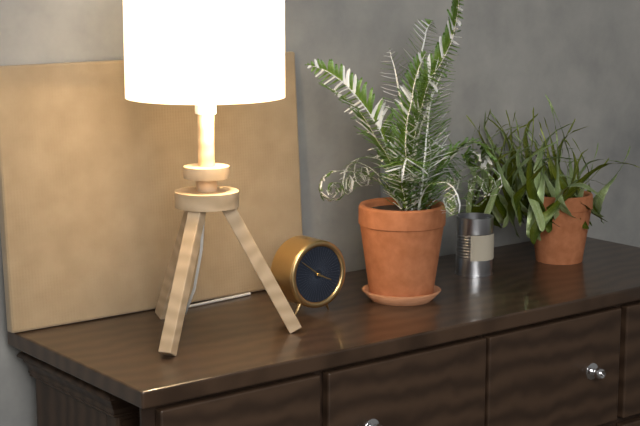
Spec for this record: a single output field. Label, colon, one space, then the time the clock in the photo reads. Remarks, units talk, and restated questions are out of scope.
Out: 3:51
